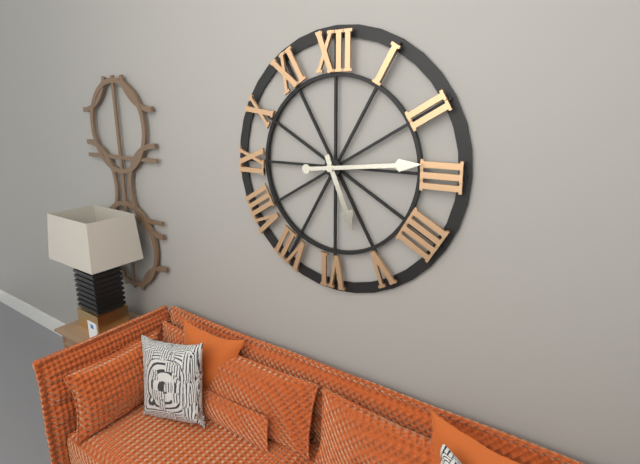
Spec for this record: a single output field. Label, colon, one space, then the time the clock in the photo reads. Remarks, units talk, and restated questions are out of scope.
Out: 5:14
